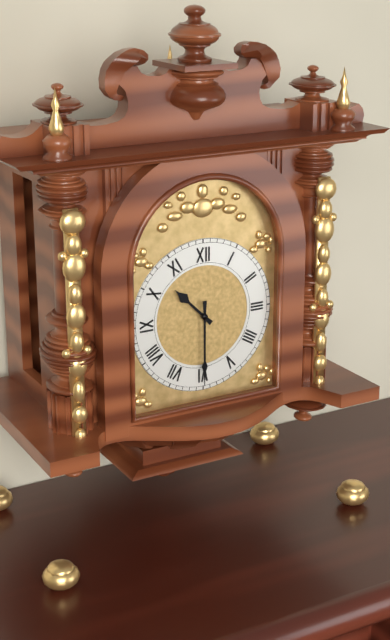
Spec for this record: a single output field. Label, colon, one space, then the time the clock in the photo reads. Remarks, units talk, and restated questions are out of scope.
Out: 10:30
